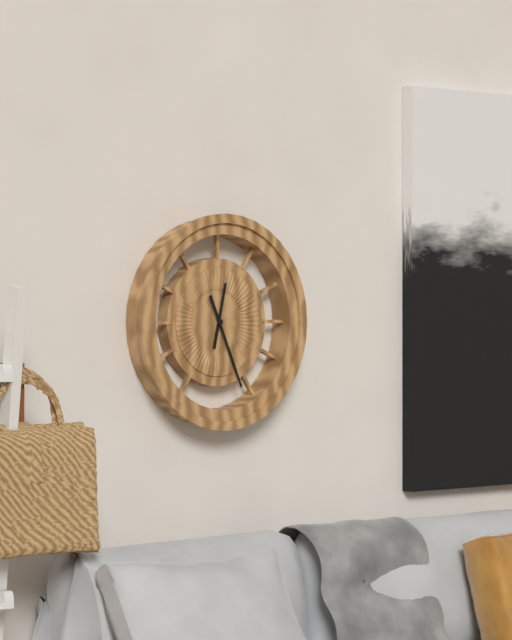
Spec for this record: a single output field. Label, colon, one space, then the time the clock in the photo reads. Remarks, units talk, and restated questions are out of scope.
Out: 12:26
